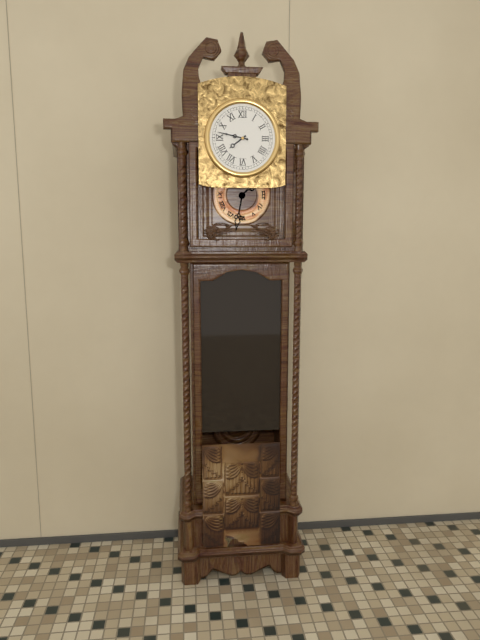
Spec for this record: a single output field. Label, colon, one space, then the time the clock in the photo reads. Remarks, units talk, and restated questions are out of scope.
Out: 7:47
